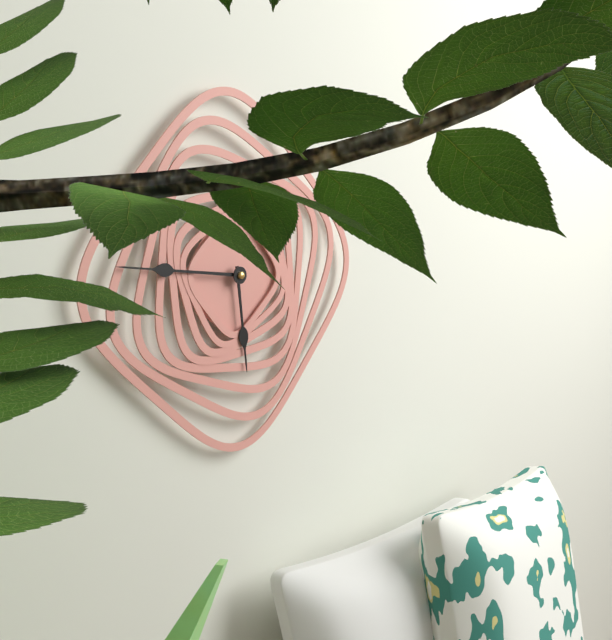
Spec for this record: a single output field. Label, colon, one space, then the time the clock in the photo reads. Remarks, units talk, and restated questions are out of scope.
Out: 5:46
